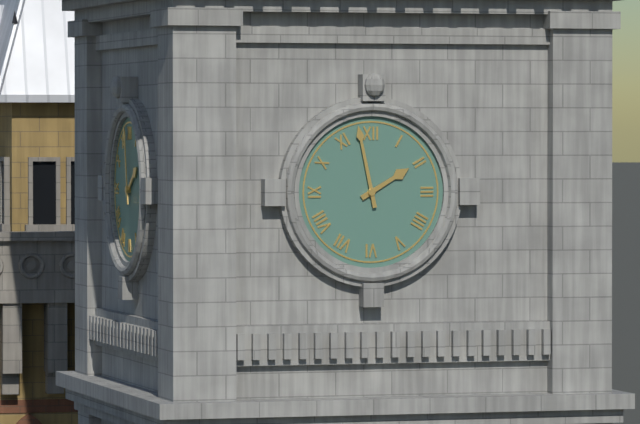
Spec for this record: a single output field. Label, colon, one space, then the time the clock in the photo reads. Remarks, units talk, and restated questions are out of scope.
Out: 1:58
